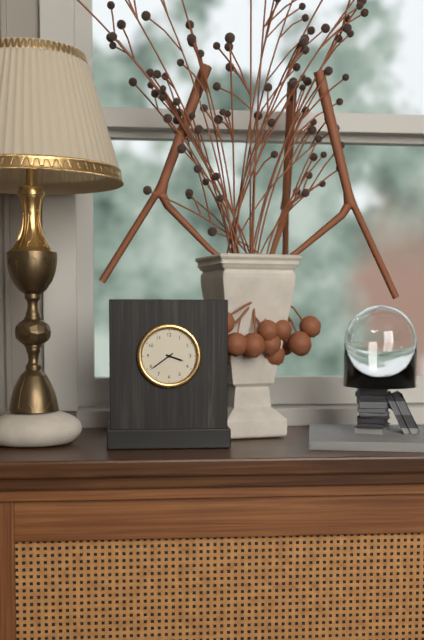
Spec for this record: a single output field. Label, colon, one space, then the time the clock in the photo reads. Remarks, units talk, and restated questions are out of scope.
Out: 3:39
